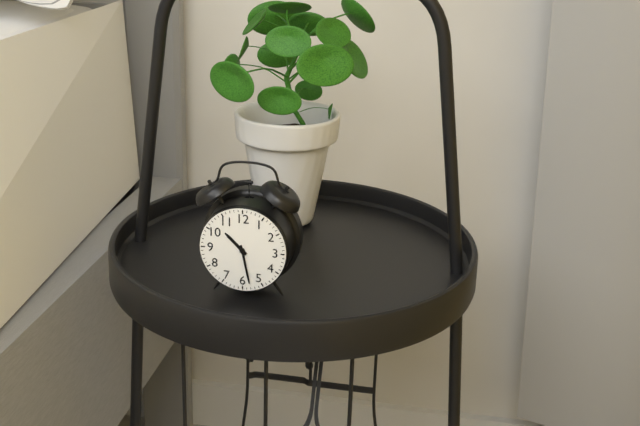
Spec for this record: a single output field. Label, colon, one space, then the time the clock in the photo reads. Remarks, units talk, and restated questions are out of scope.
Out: 10:28
